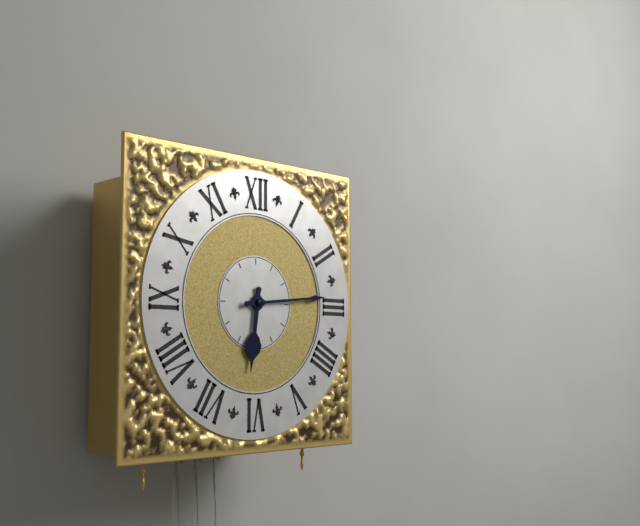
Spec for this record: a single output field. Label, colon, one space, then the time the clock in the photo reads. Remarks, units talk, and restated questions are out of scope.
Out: 6:14
